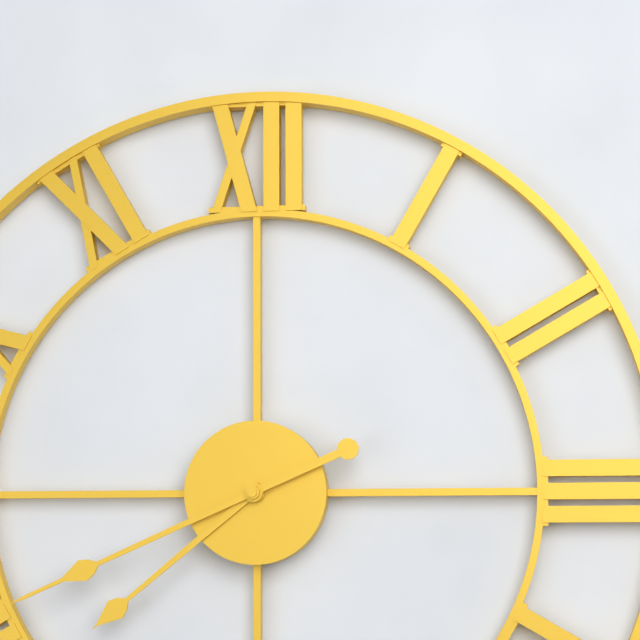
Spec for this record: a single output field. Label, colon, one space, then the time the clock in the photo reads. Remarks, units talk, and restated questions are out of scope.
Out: 7:41
